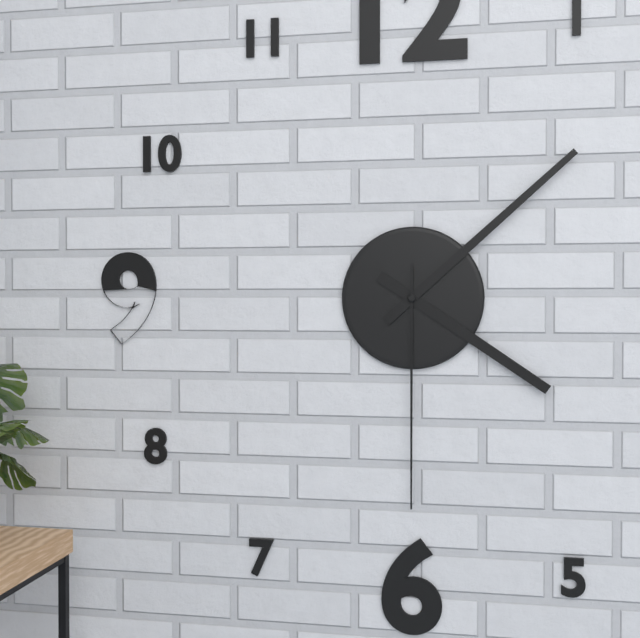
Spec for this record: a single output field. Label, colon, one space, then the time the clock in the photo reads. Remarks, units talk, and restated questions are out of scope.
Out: 4:08:30
